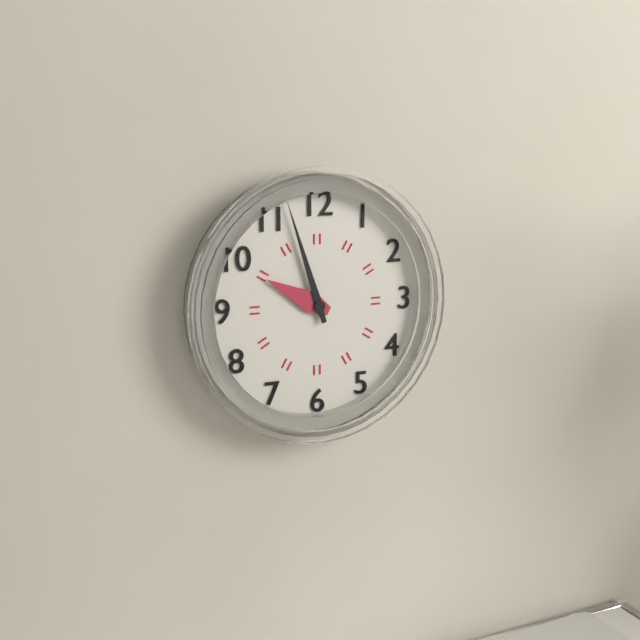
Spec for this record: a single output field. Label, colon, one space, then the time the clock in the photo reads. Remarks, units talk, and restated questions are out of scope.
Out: 9:57
